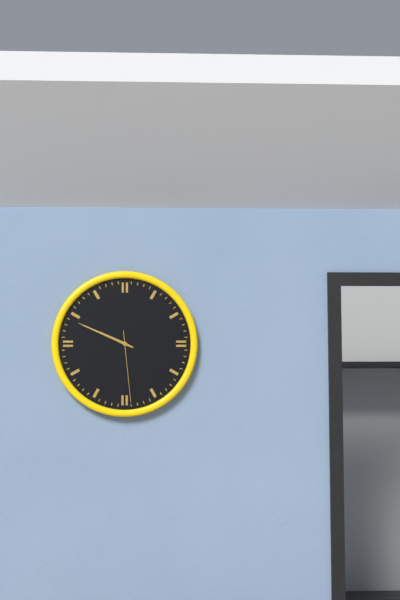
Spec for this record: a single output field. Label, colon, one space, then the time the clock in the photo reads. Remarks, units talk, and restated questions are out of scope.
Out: 9:49:29
